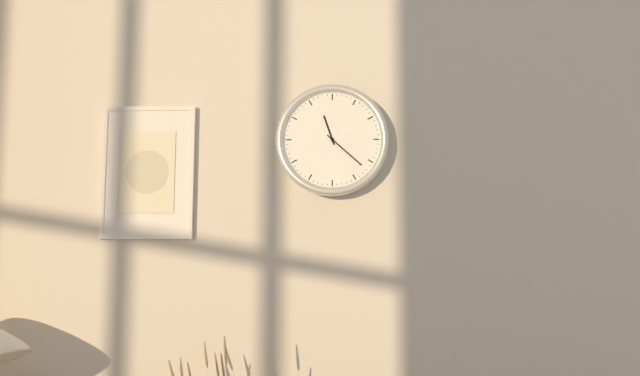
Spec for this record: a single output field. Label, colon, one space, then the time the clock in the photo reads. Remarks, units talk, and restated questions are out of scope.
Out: 11:22
